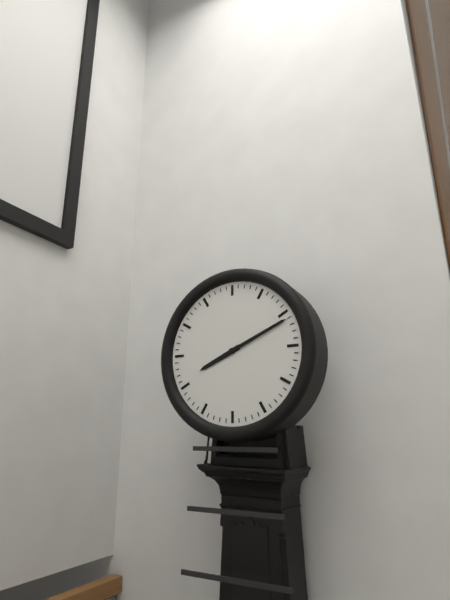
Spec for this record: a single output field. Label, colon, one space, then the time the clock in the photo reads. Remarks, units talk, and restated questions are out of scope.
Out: 8:11
